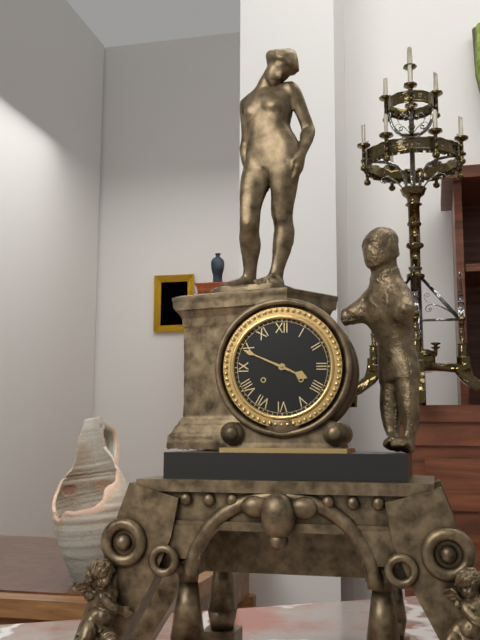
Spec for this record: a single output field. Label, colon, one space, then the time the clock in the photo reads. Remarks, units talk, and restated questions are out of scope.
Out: 3:49
